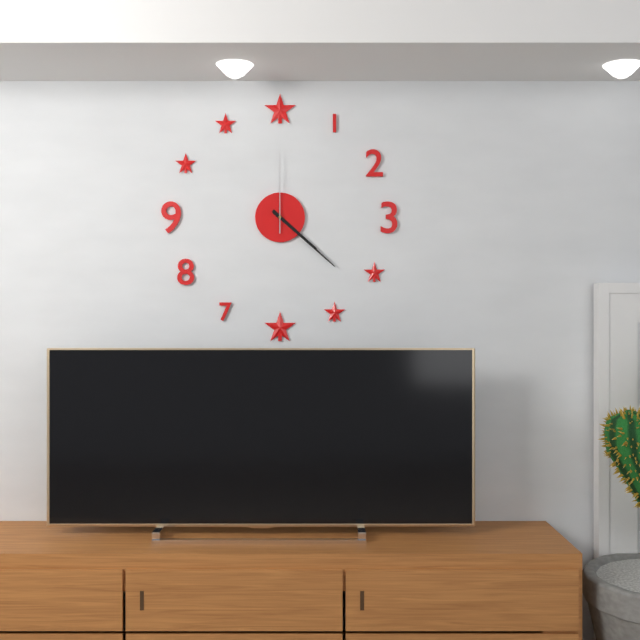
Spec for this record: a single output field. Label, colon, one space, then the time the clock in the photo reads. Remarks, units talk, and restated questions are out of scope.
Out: 4:22:00
